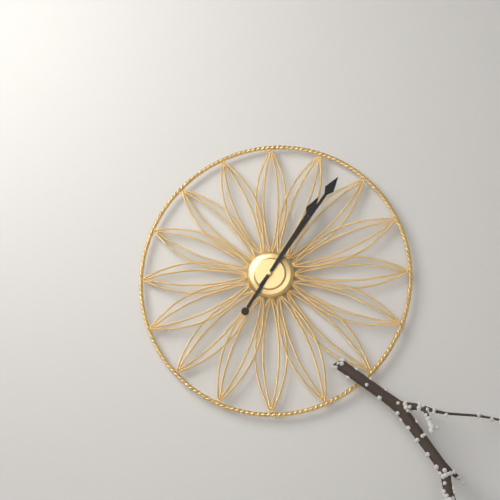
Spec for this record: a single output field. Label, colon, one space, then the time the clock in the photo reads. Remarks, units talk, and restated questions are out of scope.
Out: 1:06
